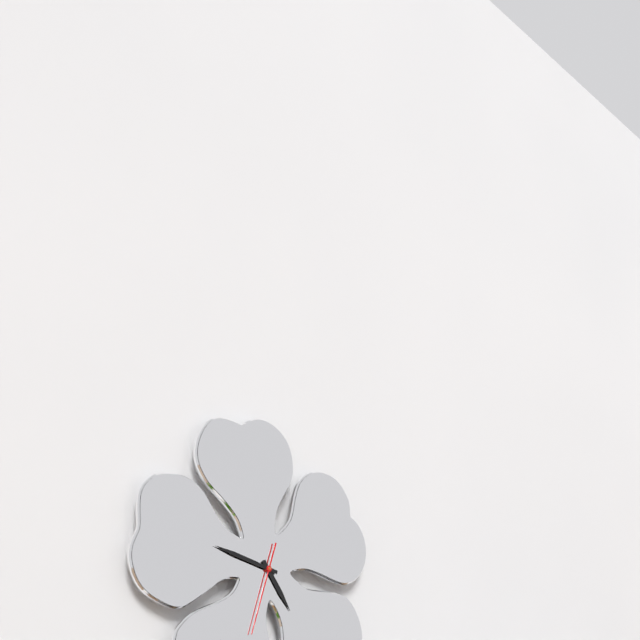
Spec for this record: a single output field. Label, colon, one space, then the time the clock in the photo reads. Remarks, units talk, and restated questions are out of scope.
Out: 4:47:33
